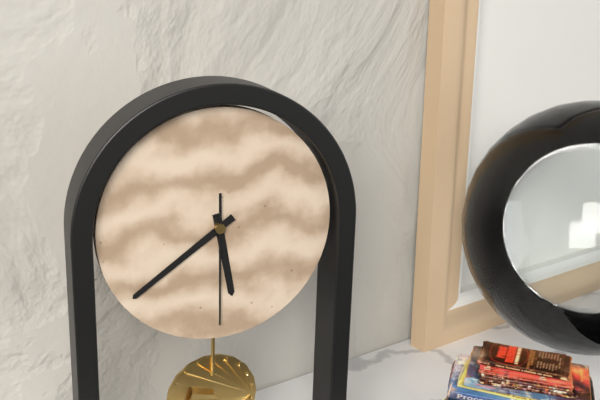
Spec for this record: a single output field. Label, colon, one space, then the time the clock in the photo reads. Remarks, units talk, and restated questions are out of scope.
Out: 5:39:30
